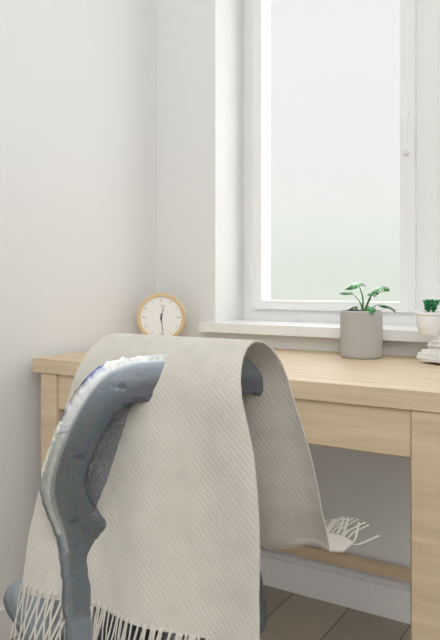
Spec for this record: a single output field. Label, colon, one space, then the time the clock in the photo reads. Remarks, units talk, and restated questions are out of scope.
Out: 12:29
